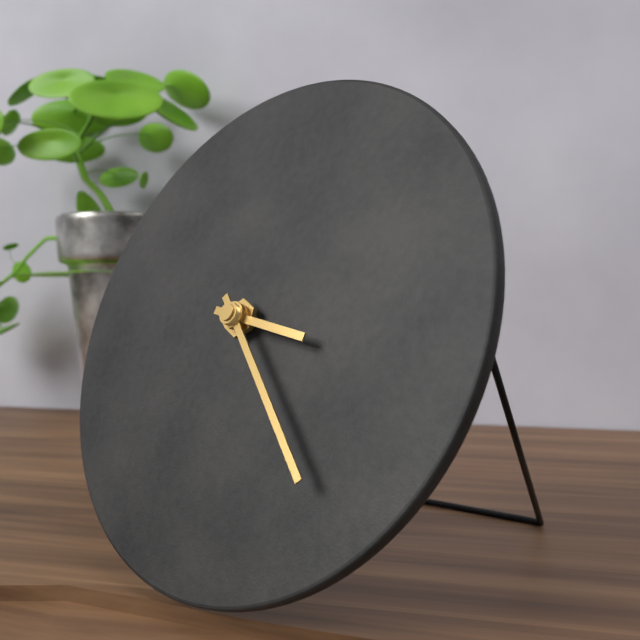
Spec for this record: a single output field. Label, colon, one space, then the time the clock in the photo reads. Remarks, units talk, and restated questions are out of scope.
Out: 3:23
